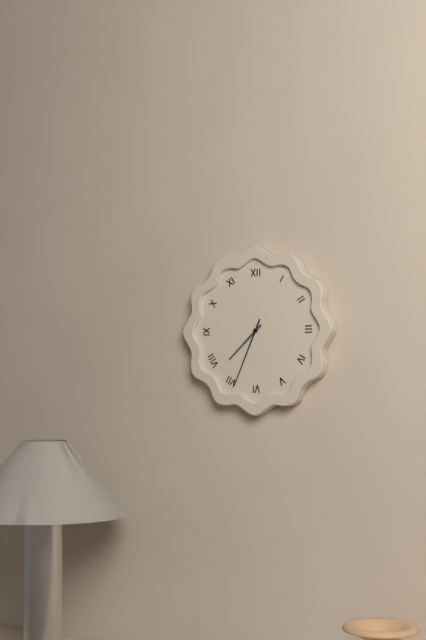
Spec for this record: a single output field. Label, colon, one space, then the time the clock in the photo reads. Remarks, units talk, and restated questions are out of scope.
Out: 7:34
